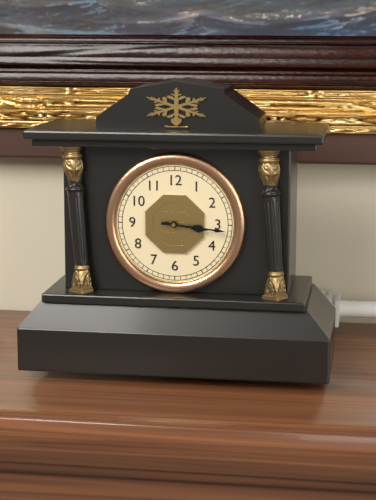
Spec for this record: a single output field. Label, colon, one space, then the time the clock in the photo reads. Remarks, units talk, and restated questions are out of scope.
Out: 3:16
